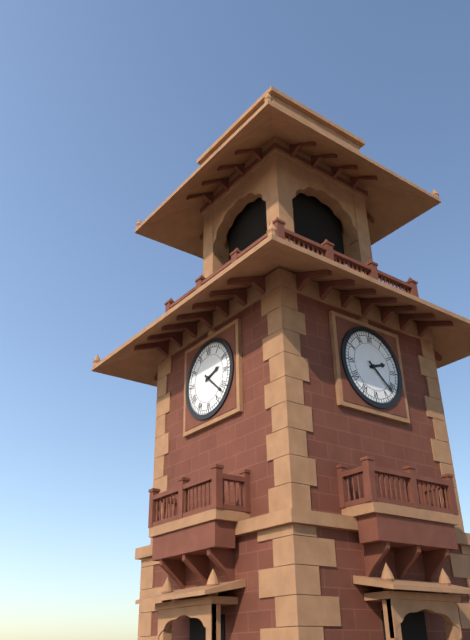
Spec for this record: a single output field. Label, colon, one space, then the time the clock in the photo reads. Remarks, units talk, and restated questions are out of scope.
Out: 2:22
